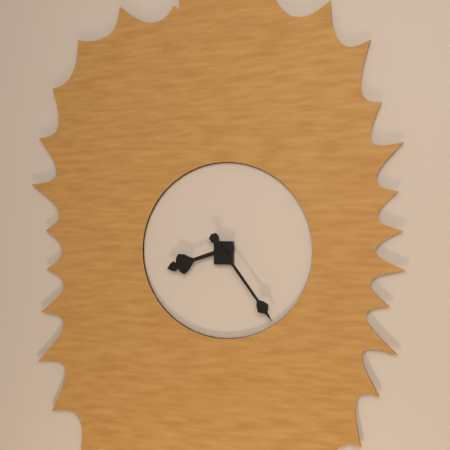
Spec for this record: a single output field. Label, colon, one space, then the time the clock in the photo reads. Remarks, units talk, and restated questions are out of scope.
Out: 8:24
